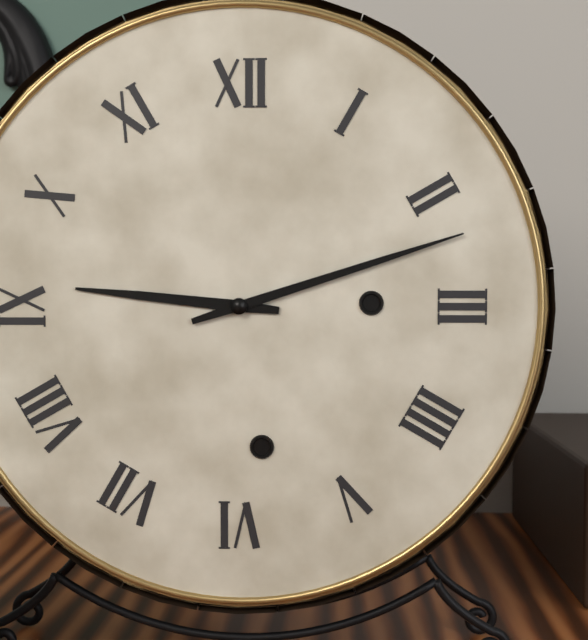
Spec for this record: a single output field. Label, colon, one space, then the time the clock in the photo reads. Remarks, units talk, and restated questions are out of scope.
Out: 9:12
